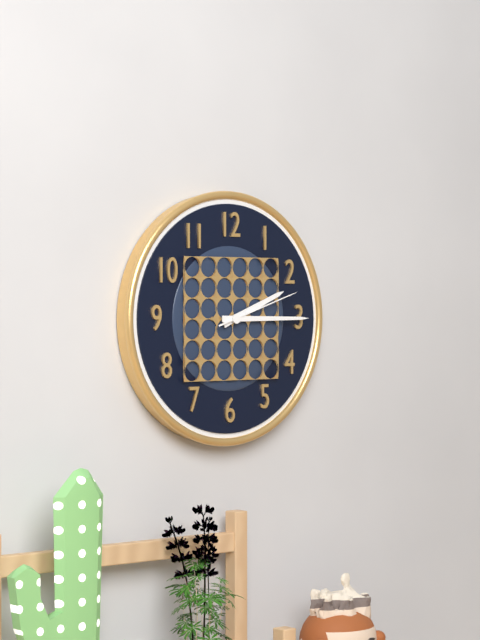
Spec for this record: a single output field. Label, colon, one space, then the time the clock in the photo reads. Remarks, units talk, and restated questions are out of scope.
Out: 2:15:12
